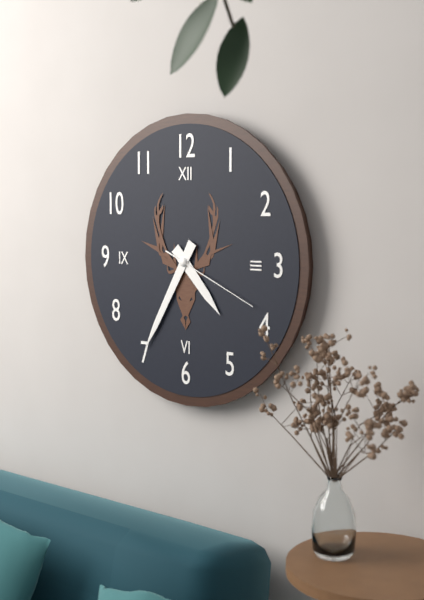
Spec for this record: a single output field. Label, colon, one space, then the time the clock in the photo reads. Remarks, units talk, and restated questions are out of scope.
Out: 4:35:19
